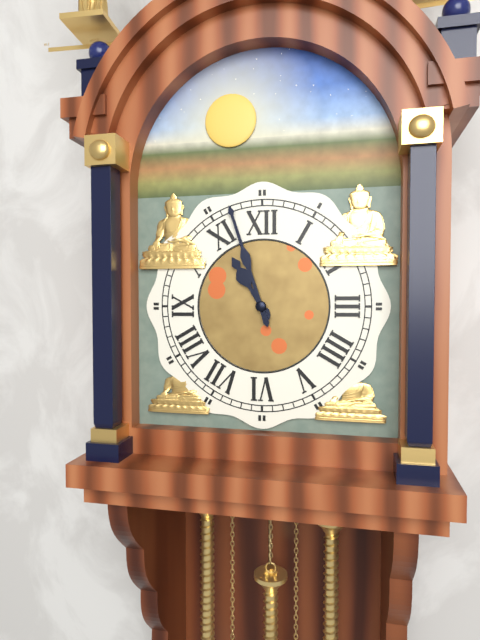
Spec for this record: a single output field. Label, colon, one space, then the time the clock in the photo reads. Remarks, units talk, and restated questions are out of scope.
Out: 10:57
